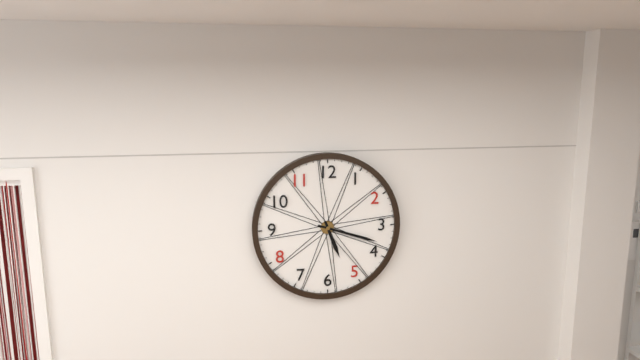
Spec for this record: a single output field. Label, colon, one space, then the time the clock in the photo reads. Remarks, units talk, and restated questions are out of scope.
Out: 5:18
